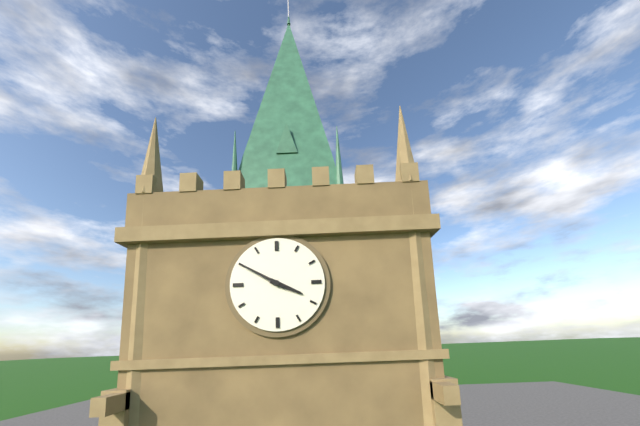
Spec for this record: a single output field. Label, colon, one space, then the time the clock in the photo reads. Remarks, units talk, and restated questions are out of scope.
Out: 3:50
